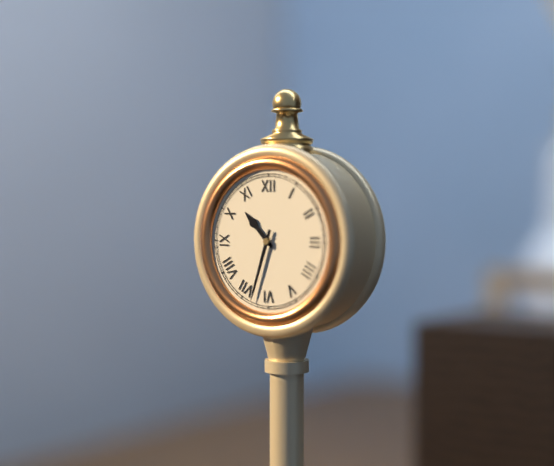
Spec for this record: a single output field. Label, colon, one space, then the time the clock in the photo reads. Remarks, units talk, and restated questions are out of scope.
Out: 10:33
